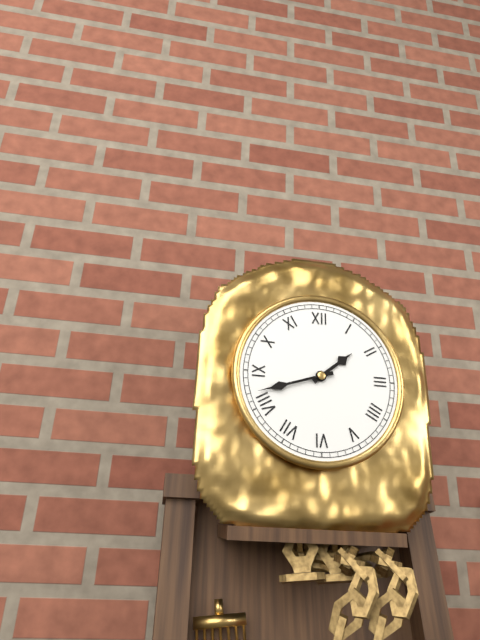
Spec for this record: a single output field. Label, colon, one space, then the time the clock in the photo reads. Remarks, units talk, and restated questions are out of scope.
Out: 1:42
